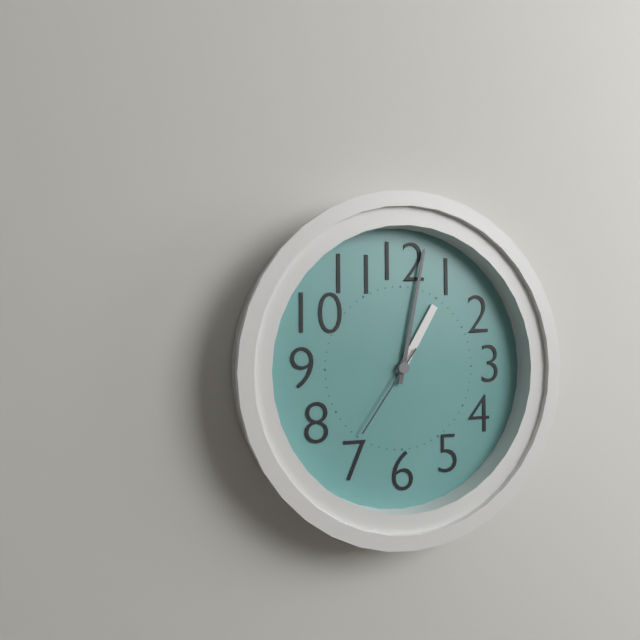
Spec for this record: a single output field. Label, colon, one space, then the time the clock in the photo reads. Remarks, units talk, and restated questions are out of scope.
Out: 1:02:36
